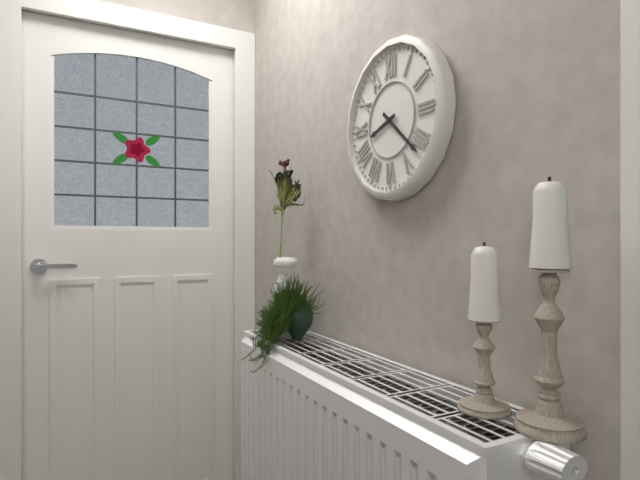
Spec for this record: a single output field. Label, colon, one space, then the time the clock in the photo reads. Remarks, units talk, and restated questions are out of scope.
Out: 8:22
